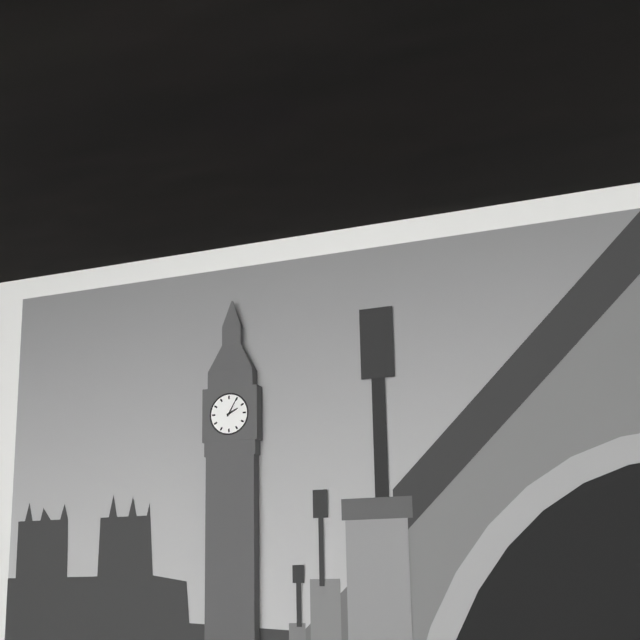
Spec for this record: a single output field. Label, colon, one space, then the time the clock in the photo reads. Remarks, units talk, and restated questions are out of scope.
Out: 2:05
